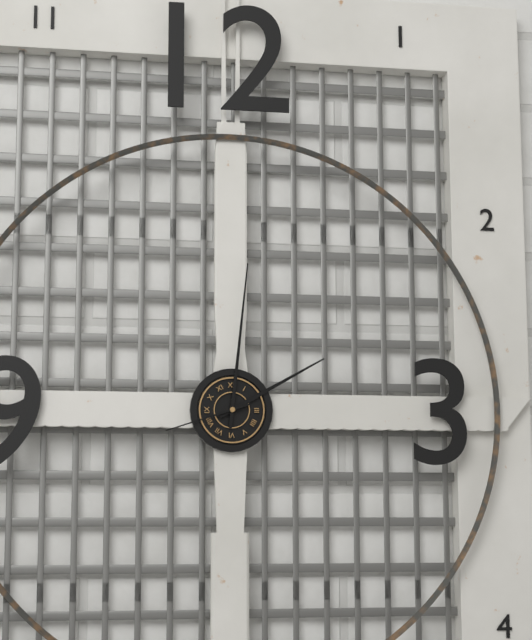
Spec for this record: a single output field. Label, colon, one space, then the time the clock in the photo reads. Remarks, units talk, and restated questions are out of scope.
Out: 2:01:42
